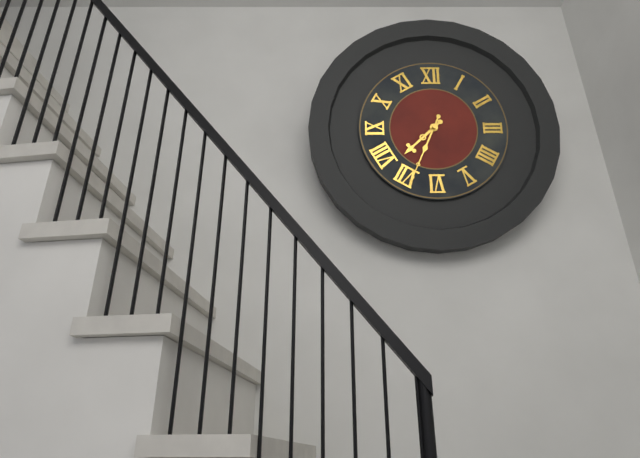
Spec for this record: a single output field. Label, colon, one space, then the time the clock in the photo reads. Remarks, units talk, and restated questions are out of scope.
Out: 7:34
